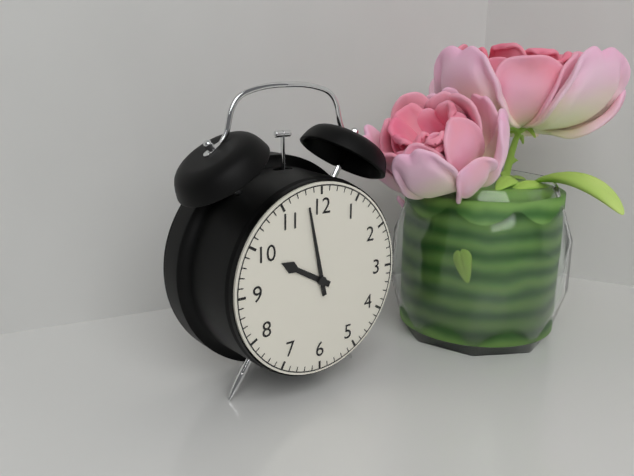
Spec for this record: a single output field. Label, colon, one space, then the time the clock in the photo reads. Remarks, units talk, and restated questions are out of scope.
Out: 9:58
